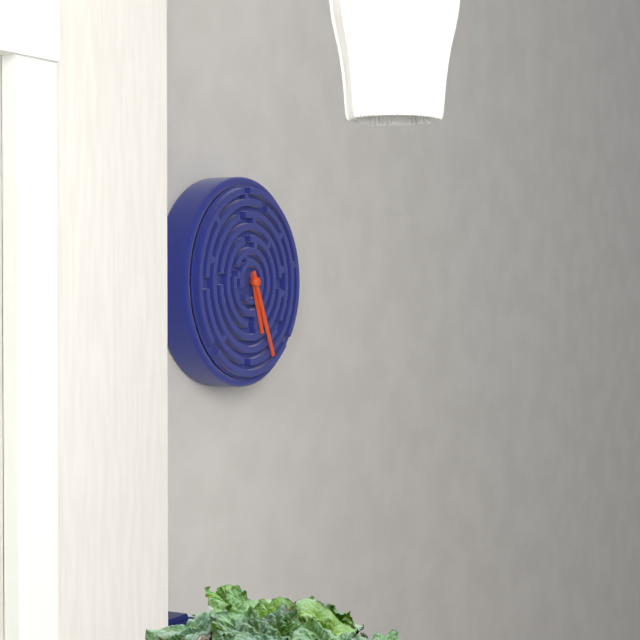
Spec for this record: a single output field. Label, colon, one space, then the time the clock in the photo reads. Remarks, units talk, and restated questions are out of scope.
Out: 5:26
